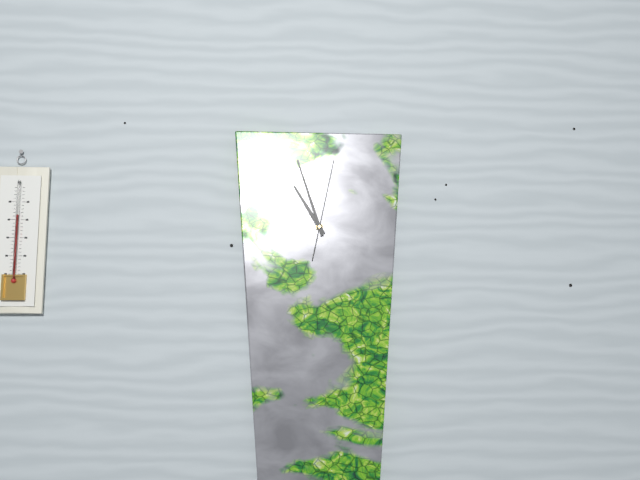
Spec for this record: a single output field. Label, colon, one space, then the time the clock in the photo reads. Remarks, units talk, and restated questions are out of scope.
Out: 10:57:02
